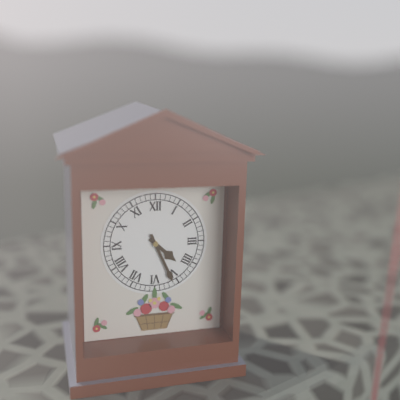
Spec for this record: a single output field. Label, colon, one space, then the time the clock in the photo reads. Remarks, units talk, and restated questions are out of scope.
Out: 4:26
